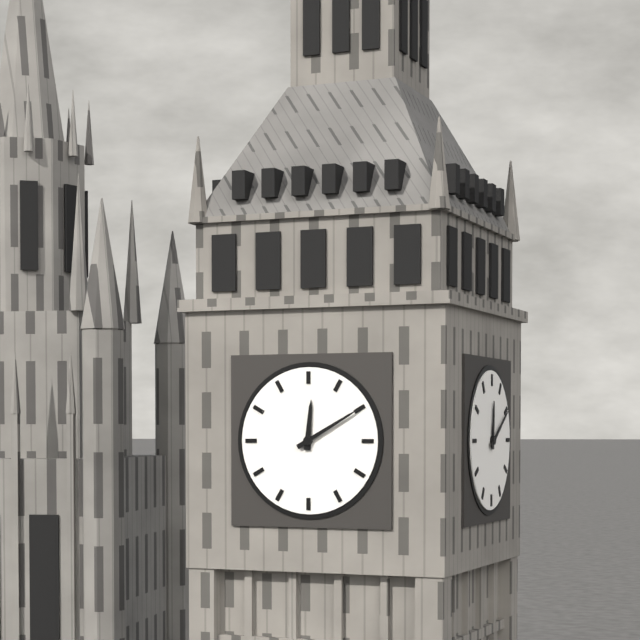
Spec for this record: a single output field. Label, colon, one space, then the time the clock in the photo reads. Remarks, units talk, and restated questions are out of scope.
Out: 12:10
